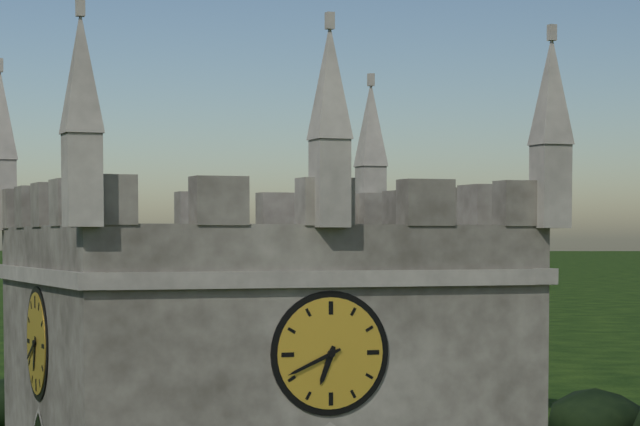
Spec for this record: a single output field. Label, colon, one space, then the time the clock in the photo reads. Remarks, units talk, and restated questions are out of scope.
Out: 6:41
